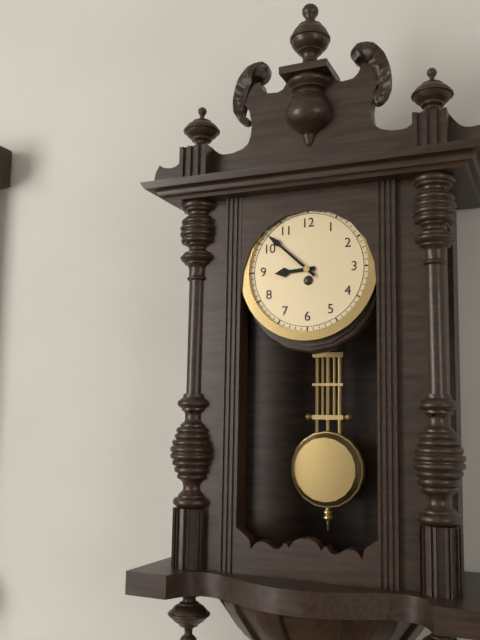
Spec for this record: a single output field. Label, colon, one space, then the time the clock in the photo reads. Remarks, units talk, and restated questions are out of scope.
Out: 8:52
